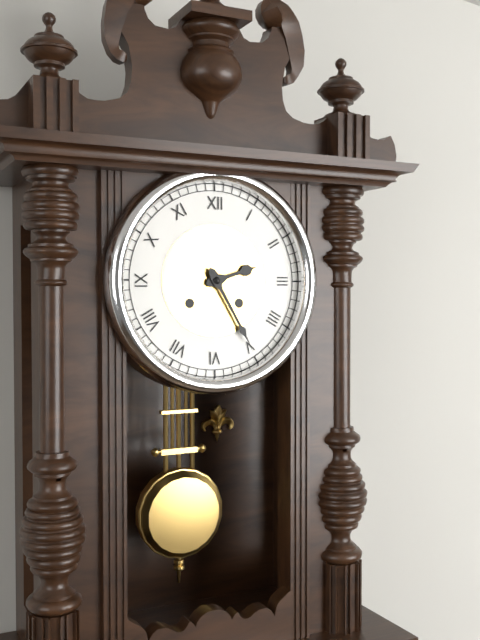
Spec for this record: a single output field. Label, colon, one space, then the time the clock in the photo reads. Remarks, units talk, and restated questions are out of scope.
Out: 2:25
